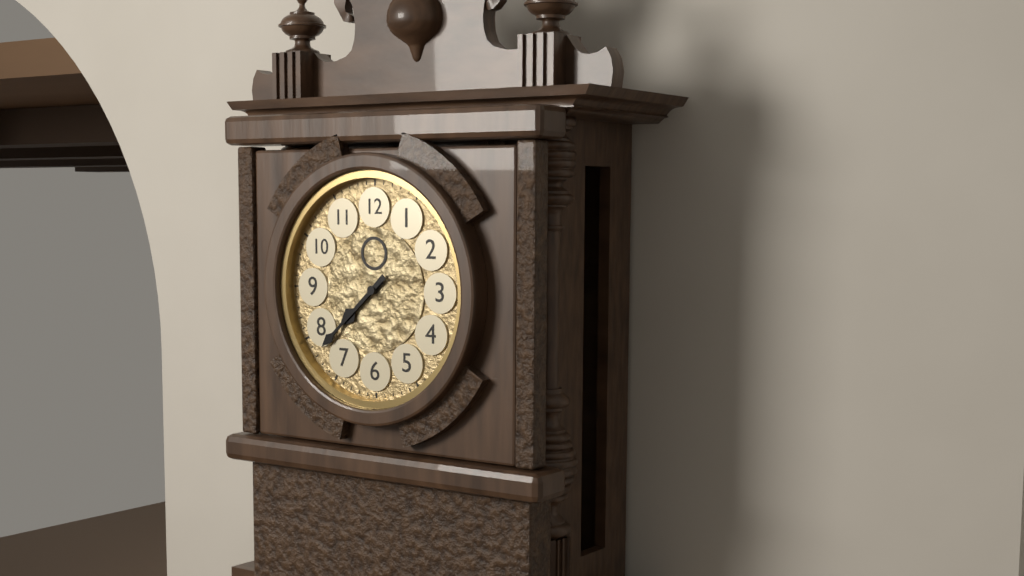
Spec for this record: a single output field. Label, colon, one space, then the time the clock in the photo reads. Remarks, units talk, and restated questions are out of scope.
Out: 7:38
